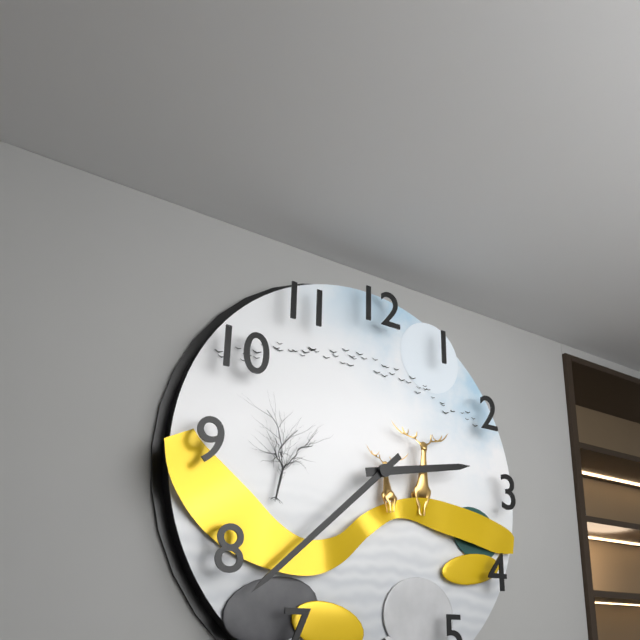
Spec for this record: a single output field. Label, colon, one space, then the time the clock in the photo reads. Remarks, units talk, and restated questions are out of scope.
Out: 2:38
